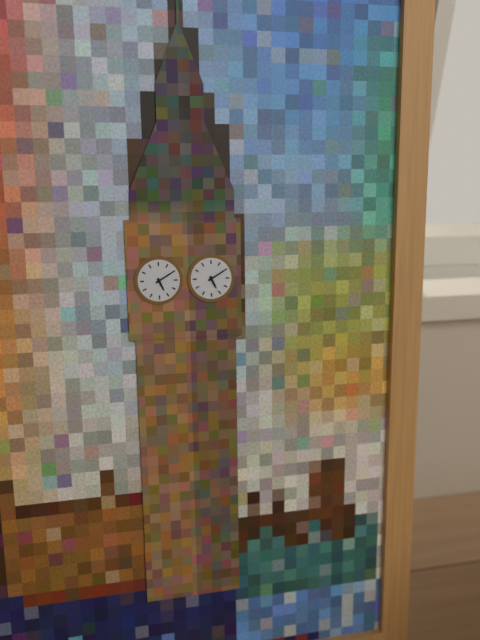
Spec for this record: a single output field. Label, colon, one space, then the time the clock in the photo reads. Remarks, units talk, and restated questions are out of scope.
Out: 5:10
